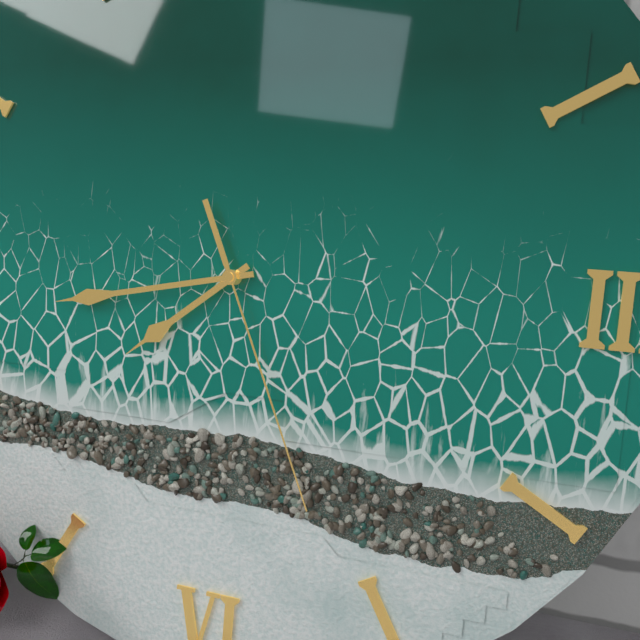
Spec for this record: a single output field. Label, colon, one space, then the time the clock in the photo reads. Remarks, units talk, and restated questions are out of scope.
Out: 7:43:26
